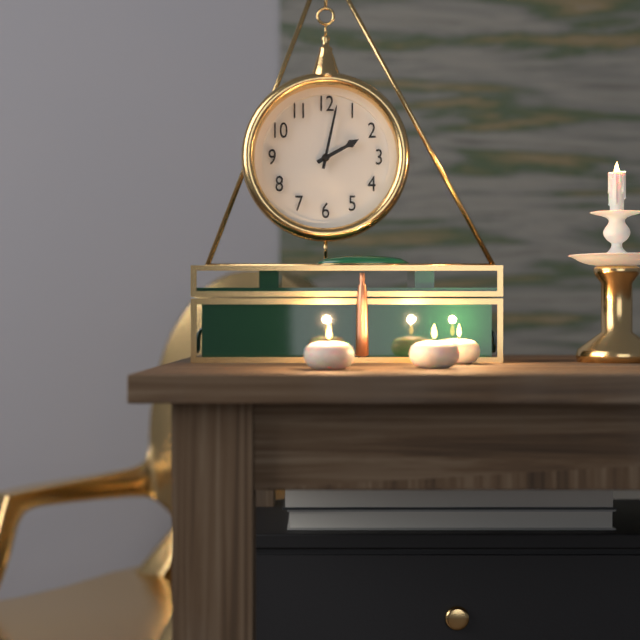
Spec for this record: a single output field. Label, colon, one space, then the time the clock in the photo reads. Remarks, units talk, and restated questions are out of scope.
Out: 2:02
